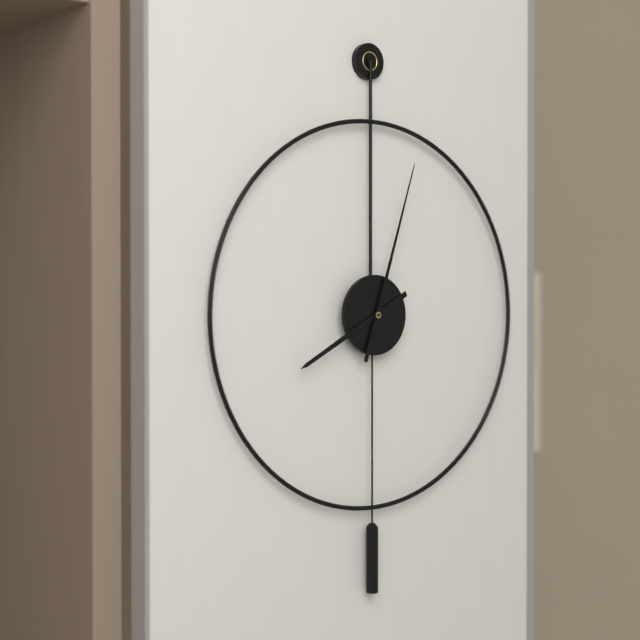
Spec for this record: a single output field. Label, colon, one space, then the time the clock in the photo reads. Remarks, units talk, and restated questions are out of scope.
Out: 8:03
